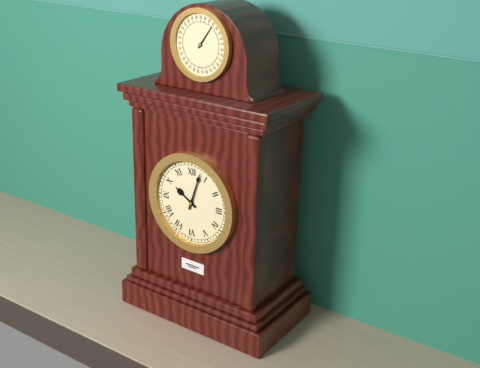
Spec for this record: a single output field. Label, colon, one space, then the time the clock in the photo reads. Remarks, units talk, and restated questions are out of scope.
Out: 10:03
